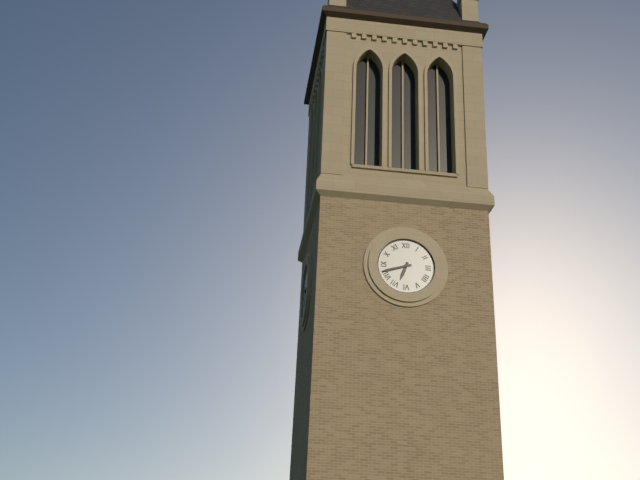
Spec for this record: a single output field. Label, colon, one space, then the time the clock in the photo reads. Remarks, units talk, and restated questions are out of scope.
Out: 6:42
